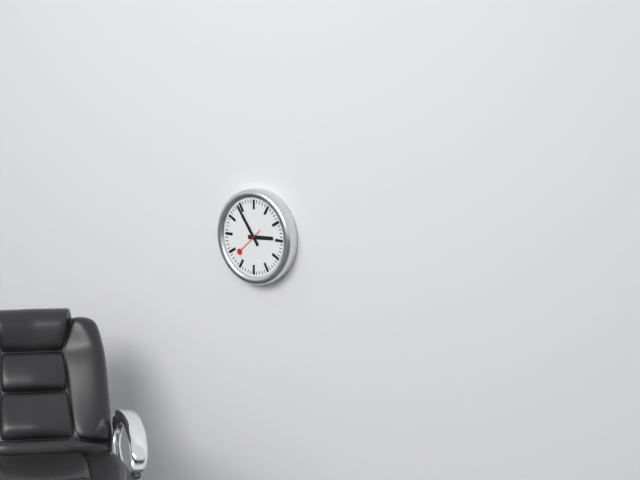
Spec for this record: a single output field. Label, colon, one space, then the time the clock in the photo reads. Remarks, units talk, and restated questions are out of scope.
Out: 2:54
